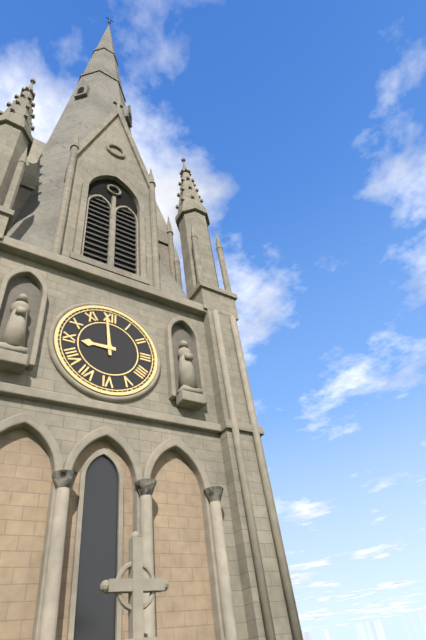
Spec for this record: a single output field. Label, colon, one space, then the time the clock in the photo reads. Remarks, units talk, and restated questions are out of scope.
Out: 8:59
